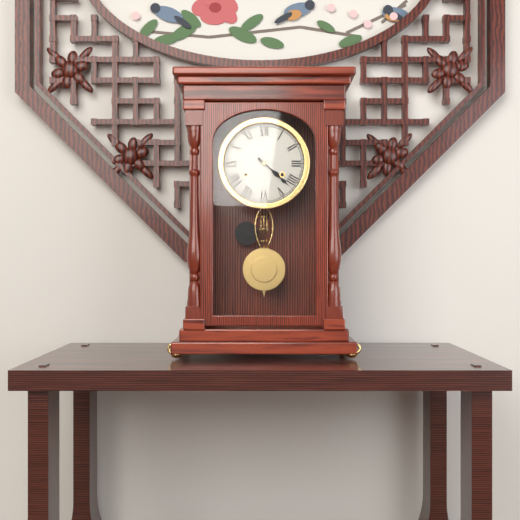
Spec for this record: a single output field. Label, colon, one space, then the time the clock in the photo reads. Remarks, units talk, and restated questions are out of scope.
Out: 4:22
